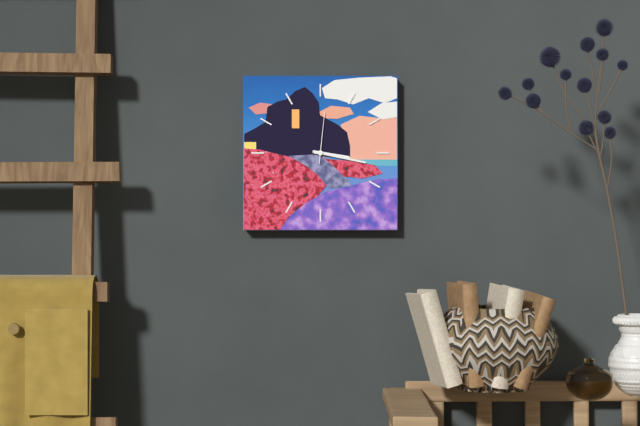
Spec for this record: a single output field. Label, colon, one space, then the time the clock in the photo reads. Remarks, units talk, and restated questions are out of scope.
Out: 3:17:01
